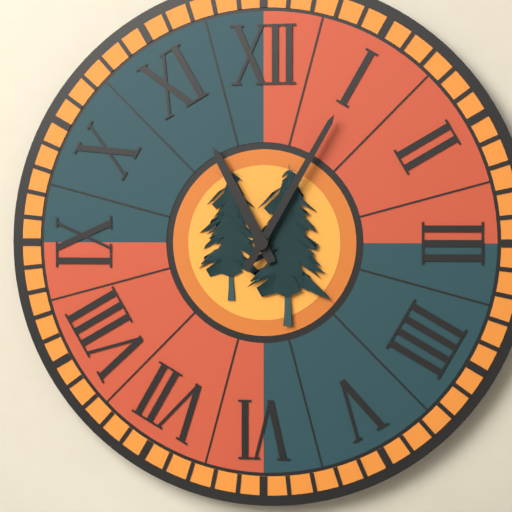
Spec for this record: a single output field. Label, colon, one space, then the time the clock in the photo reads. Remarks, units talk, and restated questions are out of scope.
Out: 11:05
